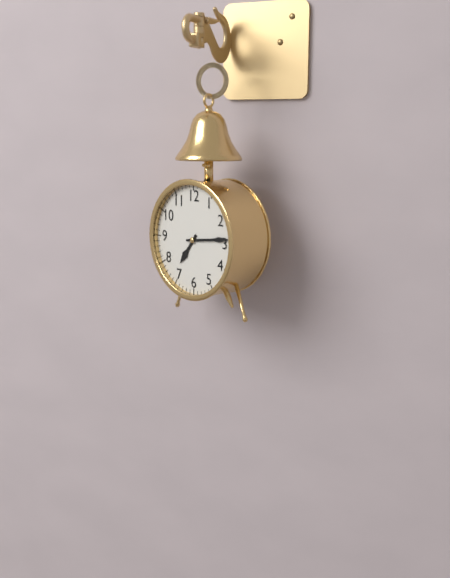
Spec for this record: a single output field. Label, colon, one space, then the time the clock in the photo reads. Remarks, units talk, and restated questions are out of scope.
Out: 7:14
